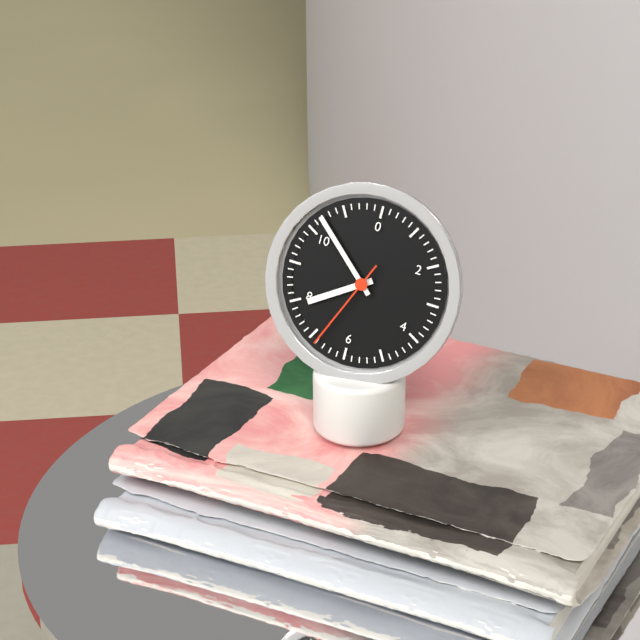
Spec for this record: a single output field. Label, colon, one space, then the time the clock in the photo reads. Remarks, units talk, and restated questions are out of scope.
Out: 7:52:34
